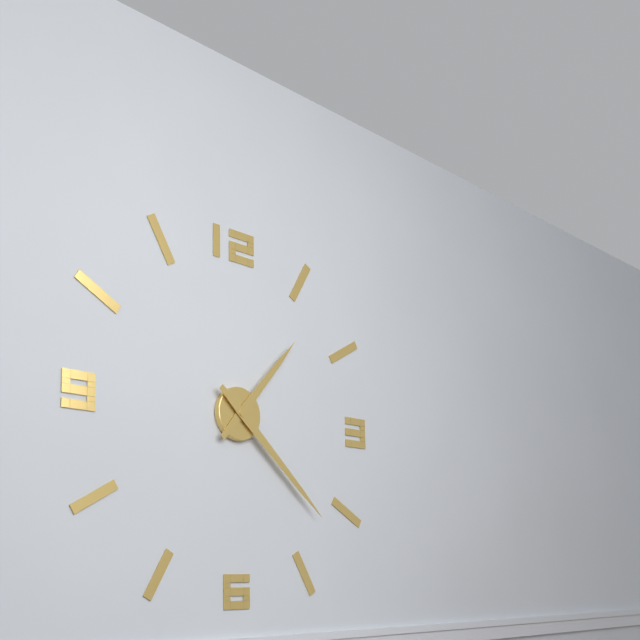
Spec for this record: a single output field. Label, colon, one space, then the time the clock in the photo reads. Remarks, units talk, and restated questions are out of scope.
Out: 1:22
